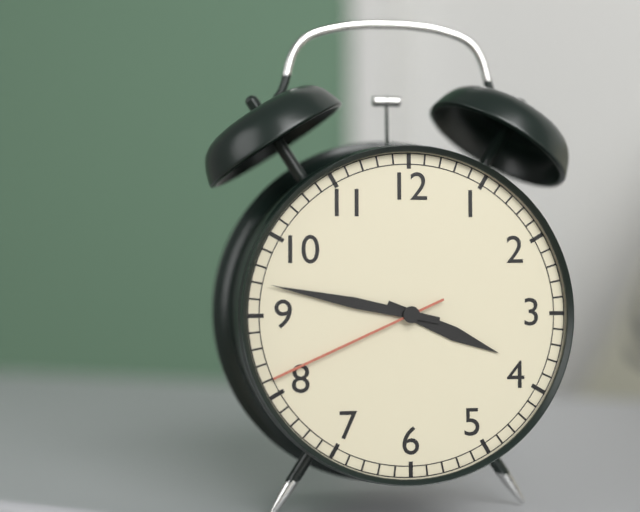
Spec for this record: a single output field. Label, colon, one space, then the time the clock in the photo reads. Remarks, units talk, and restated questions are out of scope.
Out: 3:47:41
